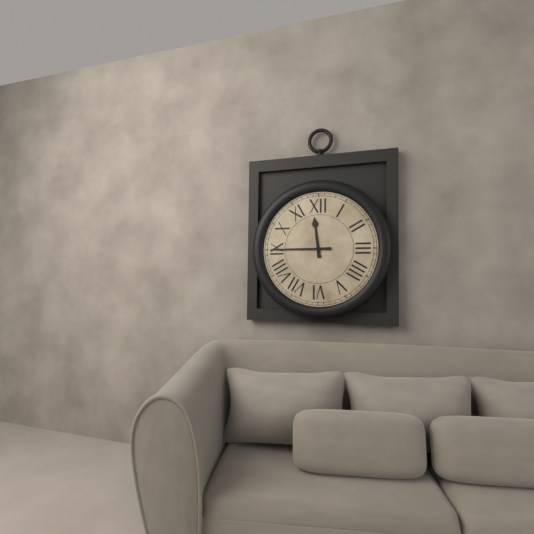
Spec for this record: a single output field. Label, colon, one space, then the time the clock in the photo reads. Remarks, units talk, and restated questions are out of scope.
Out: 11:45
